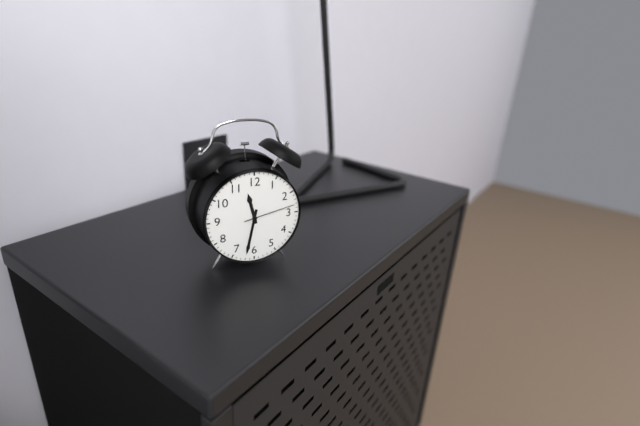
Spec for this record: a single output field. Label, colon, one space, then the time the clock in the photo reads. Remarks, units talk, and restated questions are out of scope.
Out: 11:32:13
